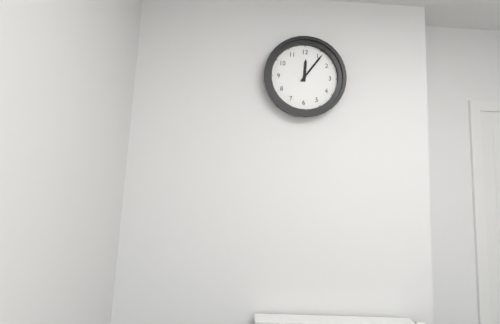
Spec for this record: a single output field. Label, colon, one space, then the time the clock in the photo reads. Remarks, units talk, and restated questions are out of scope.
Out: 12:06
